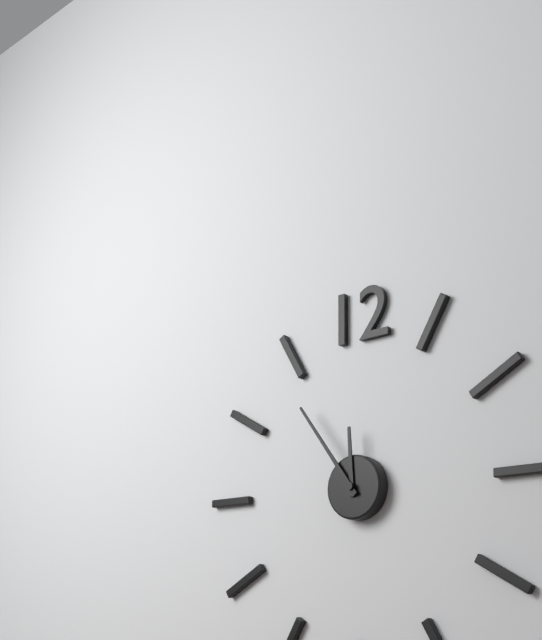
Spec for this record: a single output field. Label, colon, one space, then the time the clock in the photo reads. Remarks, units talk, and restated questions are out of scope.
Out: 11:54
